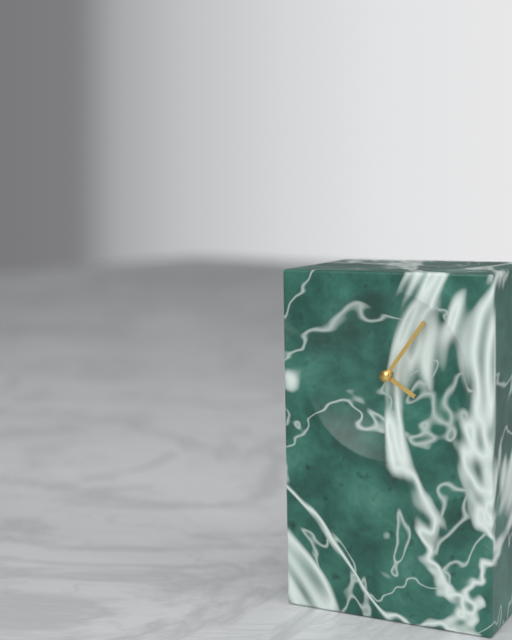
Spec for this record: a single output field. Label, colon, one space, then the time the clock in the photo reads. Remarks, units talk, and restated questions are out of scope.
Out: 4:06
